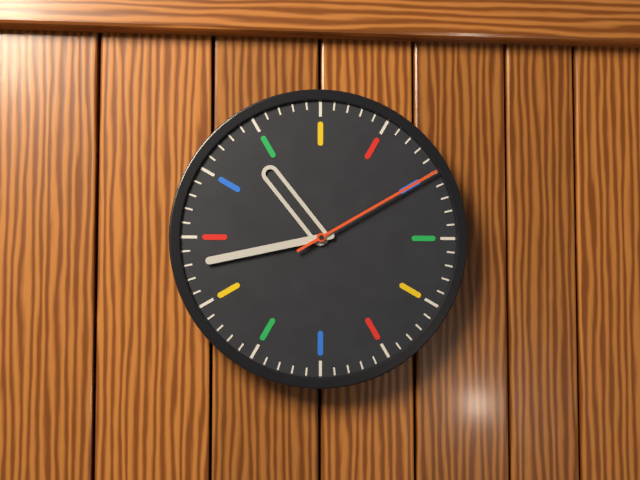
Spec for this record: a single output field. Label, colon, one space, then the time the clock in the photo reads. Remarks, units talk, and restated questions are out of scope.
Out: 10:43:10
